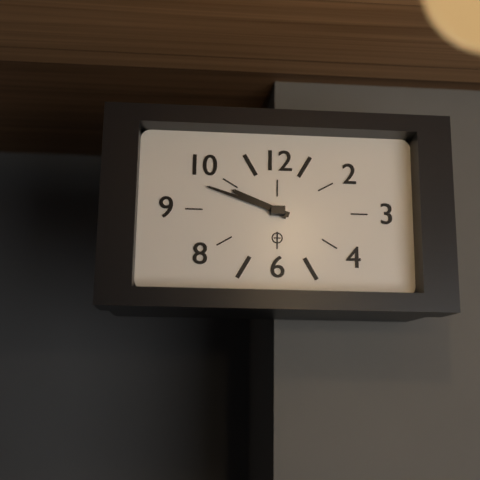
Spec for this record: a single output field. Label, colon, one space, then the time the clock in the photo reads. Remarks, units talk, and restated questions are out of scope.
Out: 9:48
